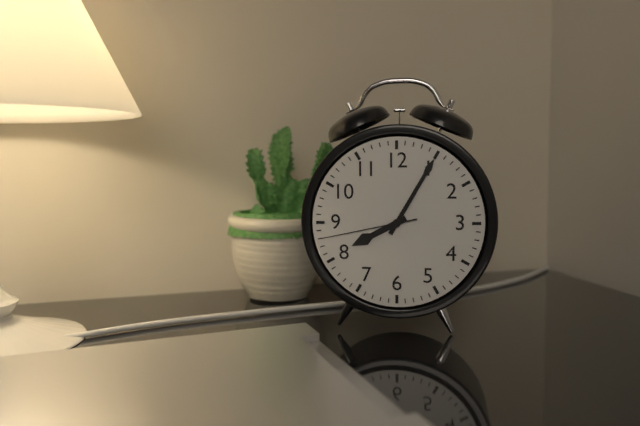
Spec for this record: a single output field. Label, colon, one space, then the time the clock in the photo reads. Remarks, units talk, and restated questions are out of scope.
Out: 8:05:43
